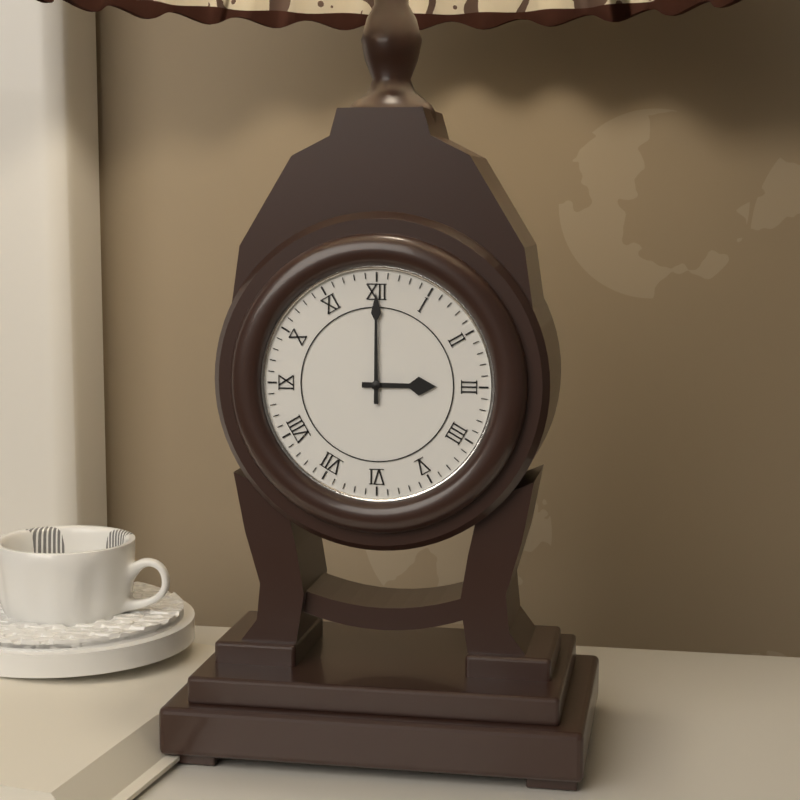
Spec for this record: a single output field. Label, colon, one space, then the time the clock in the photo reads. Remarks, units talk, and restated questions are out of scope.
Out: 3:00
